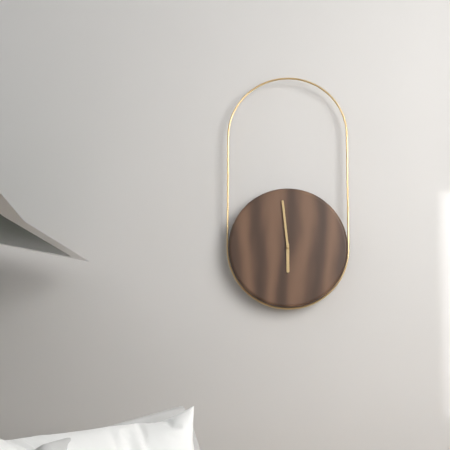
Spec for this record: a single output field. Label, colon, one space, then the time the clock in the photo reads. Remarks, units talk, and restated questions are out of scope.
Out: 5:59
